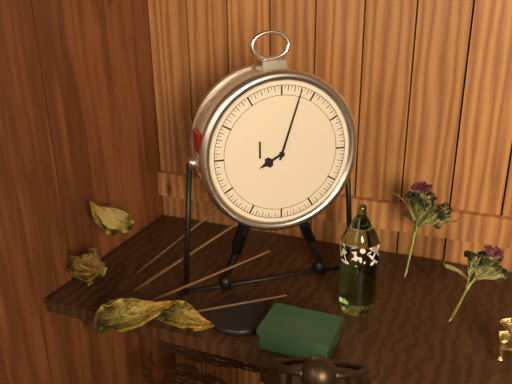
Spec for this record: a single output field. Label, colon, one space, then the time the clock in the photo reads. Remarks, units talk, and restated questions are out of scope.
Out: 8:03
